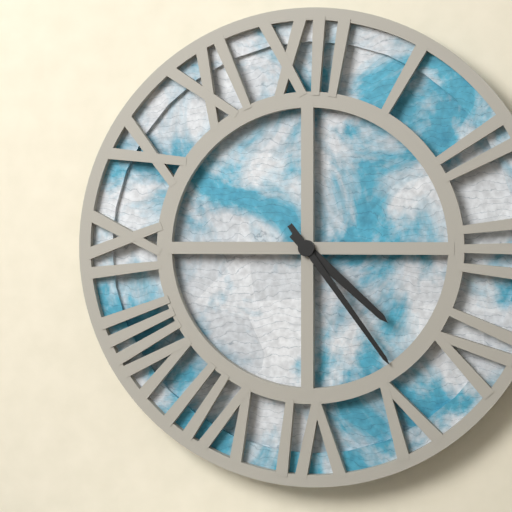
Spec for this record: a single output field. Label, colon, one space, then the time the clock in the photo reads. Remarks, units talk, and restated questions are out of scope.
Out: 4:24
